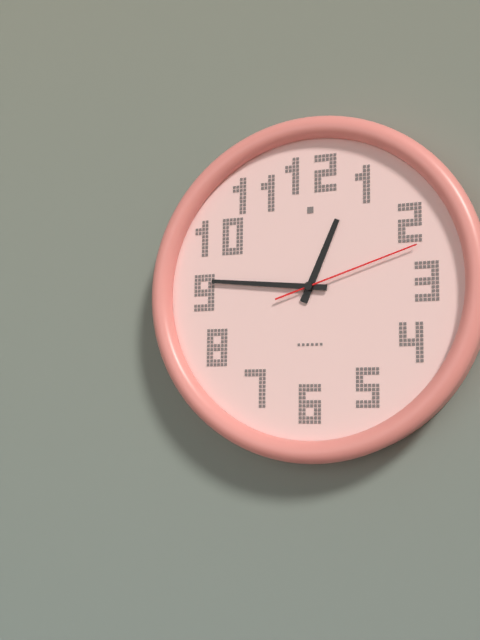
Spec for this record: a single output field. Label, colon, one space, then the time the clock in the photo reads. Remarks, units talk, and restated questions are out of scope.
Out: 12:46:12
